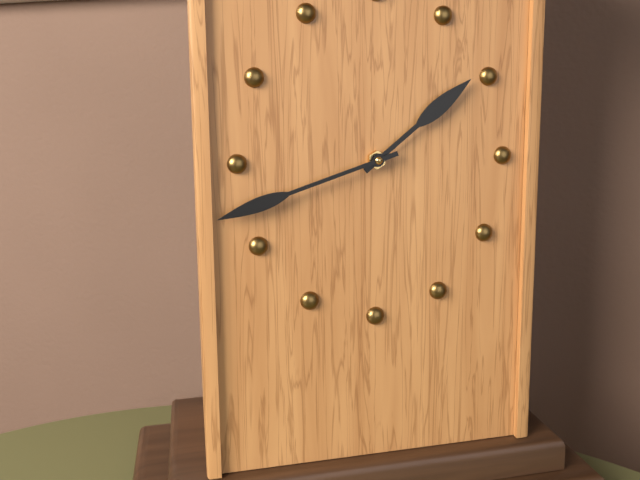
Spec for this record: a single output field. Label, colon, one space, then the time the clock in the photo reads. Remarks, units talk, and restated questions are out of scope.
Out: 1:42
